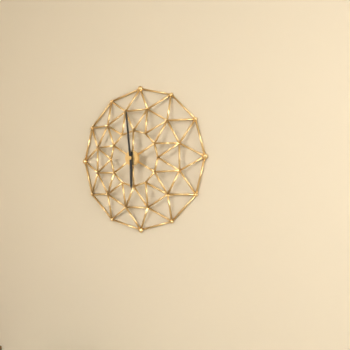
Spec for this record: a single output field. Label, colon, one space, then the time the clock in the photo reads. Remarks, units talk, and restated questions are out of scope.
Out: 5:59
